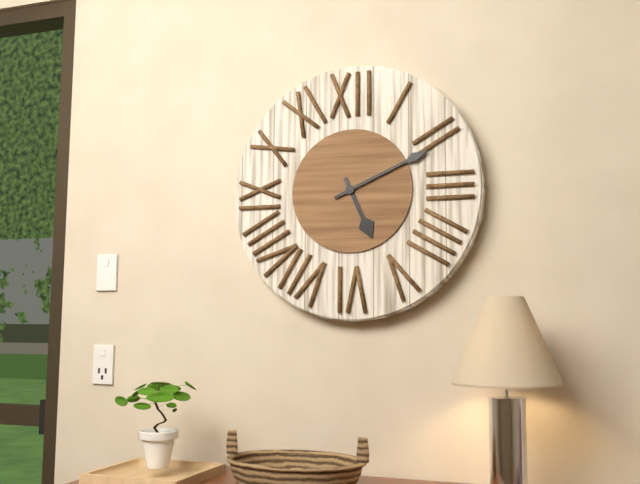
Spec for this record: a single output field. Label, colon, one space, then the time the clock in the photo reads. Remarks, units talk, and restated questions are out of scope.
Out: 5:11
